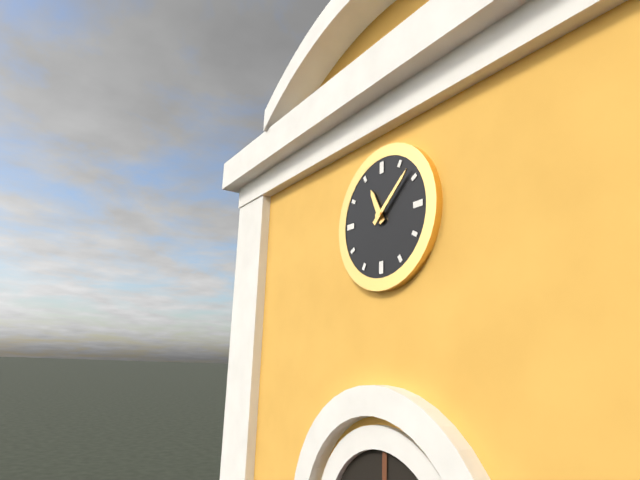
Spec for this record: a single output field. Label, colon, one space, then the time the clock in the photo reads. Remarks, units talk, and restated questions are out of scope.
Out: 11:08
